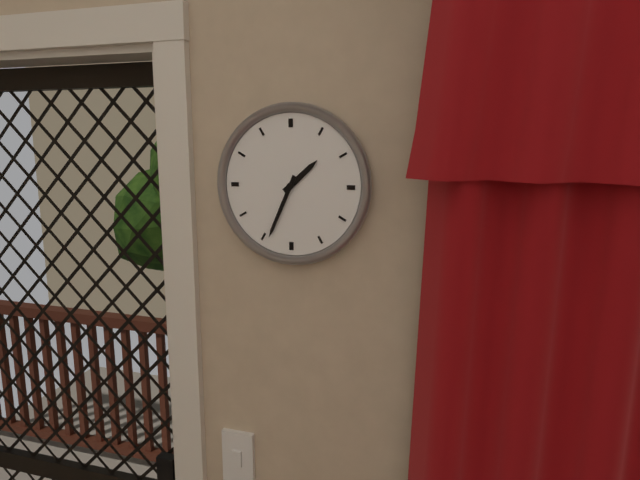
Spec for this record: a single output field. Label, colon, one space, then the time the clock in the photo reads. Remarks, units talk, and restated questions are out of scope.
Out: 1:34
